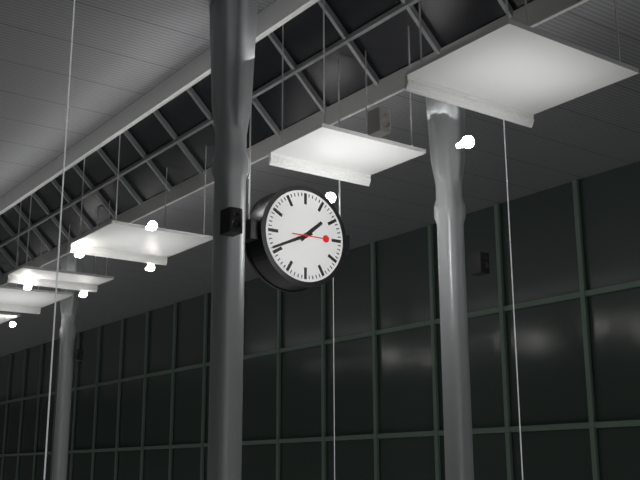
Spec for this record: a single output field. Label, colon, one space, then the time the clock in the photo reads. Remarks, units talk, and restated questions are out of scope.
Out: 1:41
